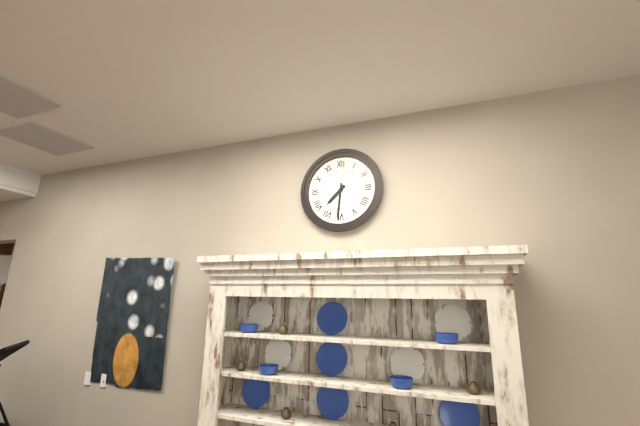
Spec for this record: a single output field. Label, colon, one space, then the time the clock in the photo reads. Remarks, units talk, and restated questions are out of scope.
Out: 7:31
